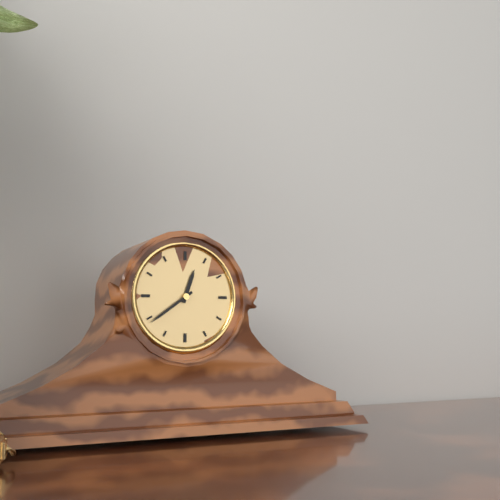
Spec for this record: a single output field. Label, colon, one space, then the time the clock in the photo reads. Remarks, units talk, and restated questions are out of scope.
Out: 12:39
